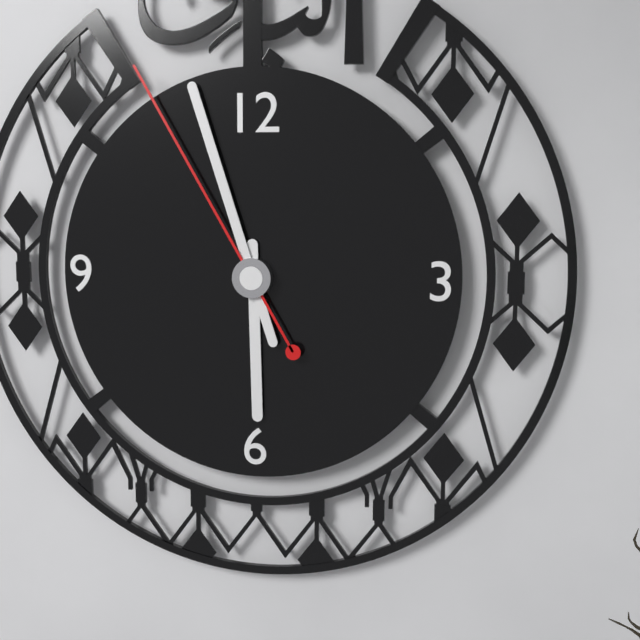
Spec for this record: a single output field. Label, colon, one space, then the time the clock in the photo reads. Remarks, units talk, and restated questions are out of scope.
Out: 5:57:55
